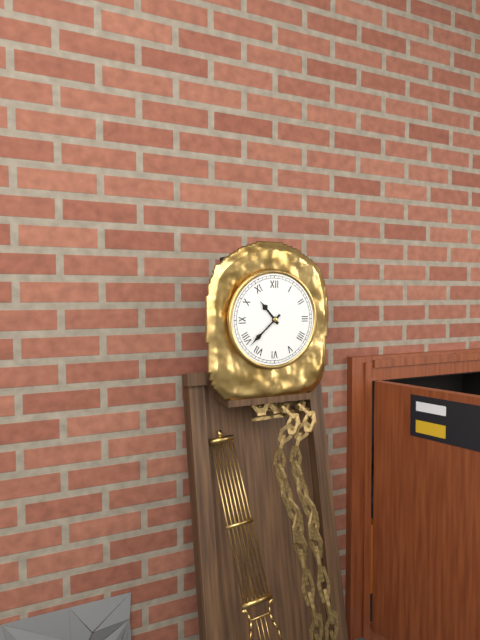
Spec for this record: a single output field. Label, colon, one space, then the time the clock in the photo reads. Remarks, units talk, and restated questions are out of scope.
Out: 10:38
